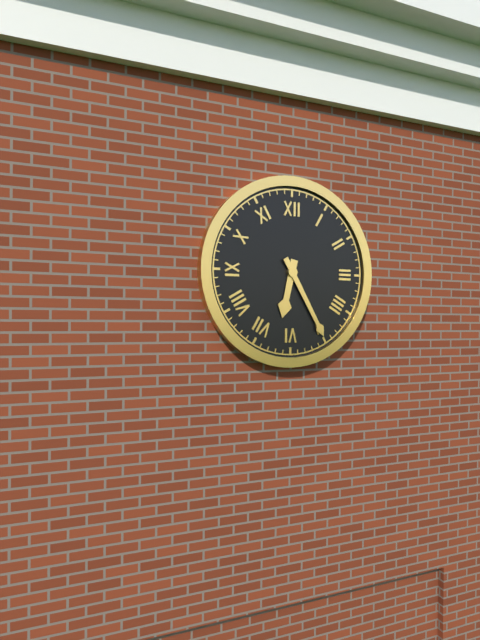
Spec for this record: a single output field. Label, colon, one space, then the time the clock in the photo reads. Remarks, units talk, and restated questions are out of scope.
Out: 6:25
